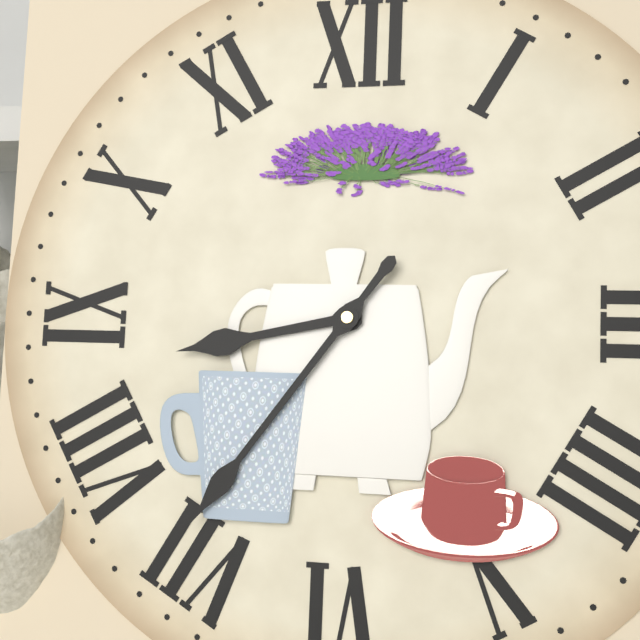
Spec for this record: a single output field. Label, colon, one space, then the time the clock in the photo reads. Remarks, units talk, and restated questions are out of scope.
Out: 8:36
